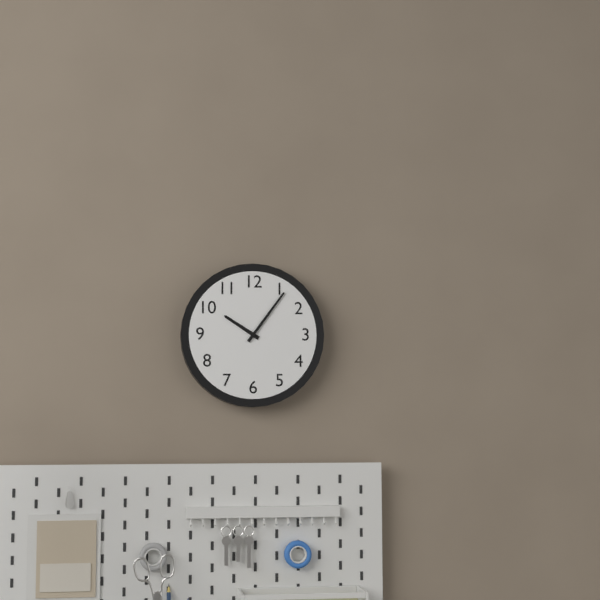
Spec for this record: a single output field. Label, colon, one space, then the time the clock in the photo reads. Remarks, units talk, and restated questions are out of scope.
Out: 10:06
